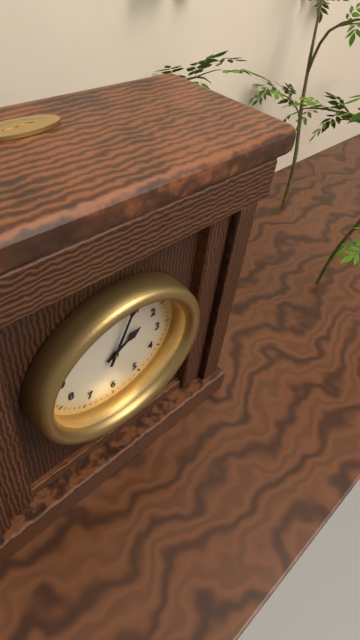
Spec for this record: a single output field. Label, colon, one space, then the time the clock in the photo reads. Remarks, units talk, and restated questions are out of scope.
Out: 2:04
